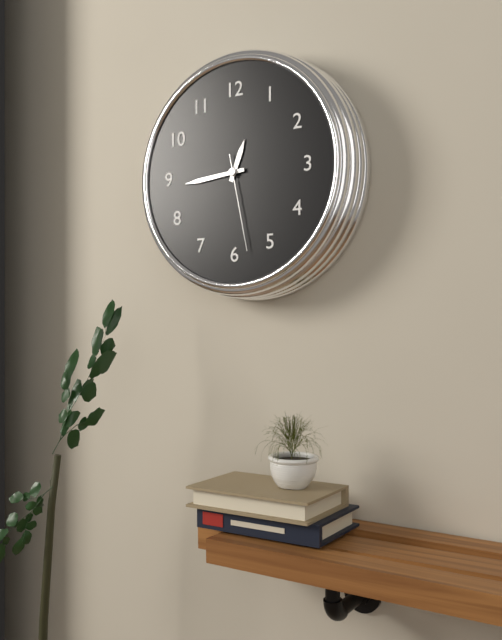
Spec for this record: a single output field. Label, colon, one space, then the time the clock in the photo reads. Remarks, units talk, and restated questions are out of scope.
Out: 12:44:28
